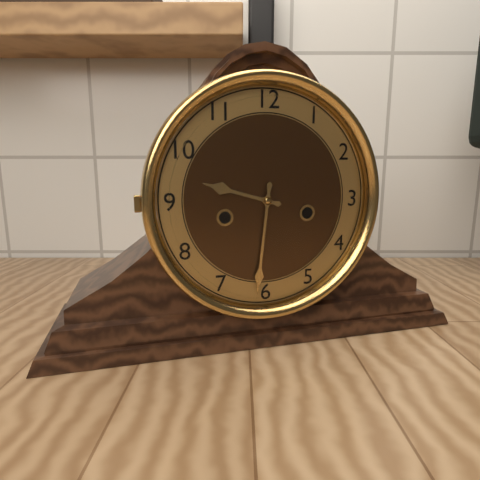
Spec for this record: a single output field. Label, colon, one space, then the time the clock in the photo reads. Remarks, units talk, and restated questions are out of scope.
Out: 9:31
